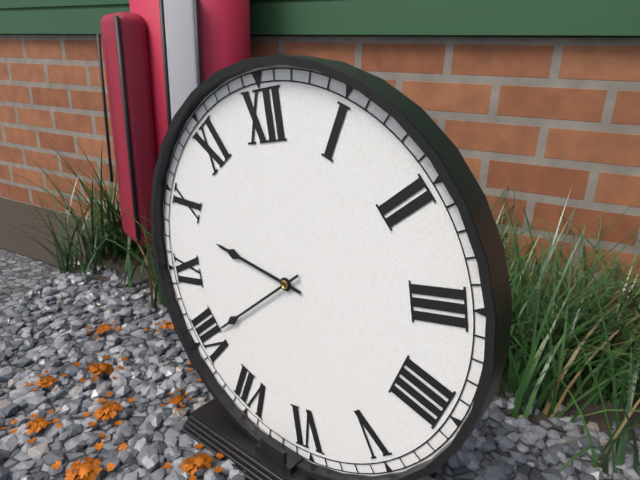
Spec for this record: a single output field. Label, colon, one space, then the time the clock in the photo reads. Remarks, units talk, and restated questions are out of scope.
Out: 9:40
